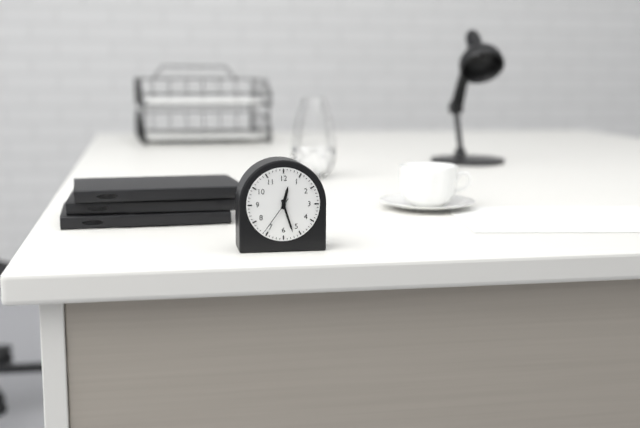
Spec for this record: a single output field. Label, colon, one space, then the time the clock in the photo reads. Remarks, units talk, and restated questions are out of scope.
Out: 12:27
